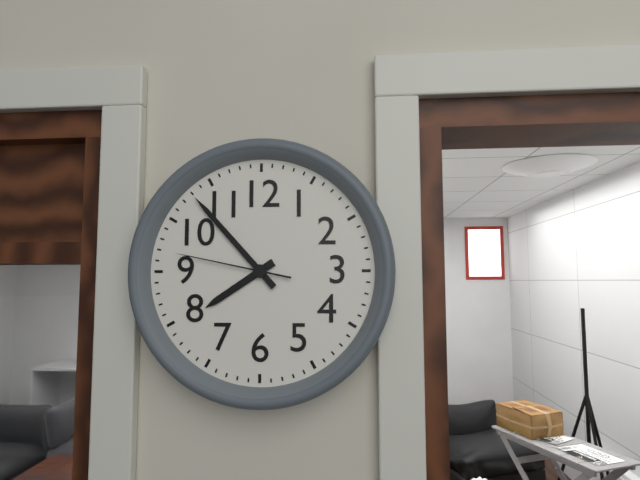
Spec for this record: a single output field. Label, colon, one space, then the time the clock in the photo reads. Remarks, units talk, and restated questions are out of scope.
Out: 7:53:47
